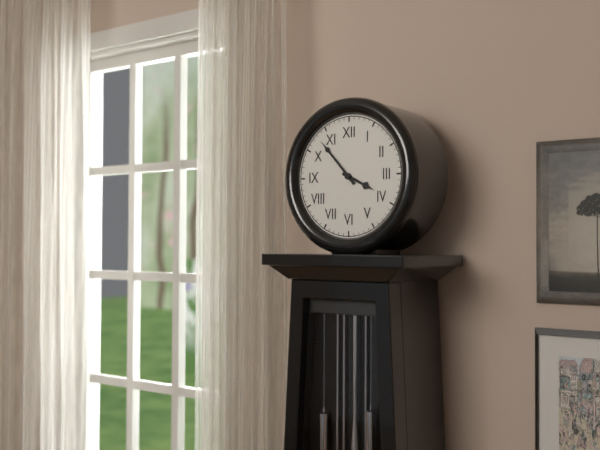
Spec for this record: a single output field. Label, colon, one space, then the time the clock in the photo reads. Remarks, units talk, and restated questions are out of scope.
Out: 3:53
